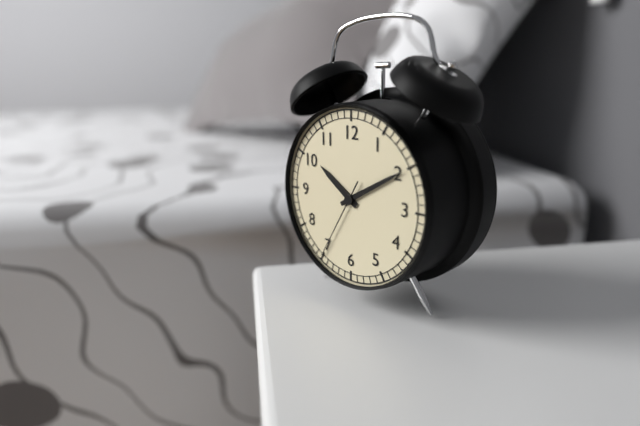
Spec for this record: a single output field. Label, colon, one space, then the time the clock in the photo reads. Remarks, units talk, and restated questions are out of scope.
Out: 10:10:35
